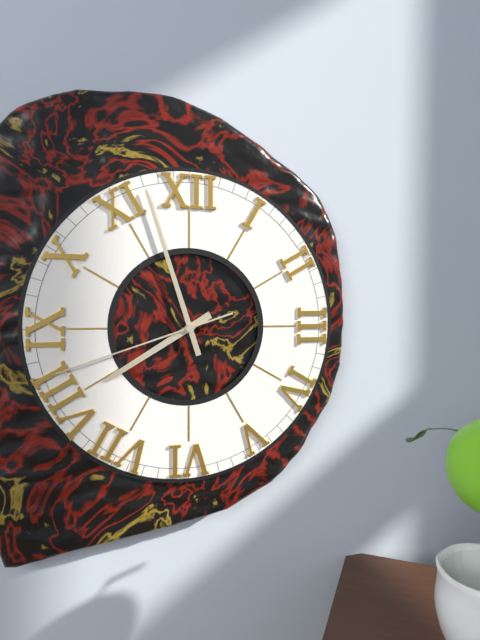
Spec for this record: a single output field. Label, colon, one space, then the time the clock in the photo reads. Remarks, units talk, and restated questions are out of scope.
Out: 7:57:42
